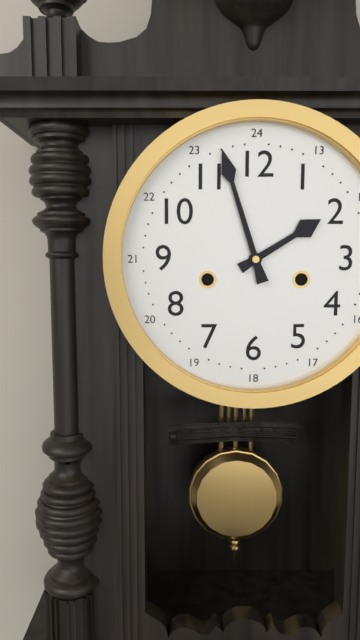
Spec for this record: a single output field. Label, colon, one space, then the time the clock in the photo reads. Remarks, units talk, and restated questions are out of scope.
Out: 1:57
